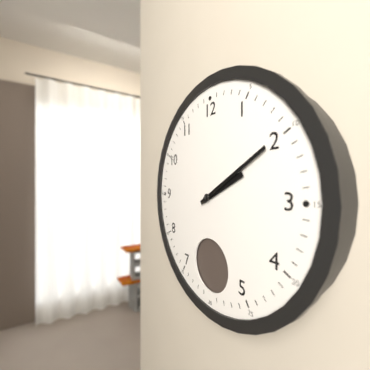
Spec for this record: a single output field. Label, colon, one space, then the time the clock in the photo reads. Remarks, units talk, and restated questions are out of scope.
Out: 2:10
